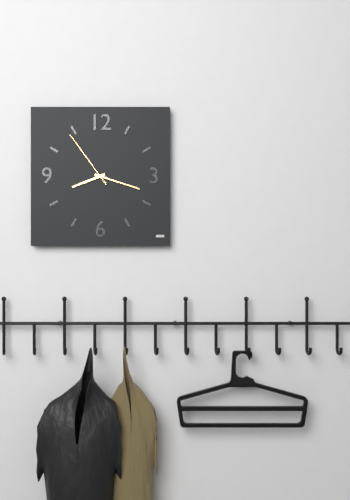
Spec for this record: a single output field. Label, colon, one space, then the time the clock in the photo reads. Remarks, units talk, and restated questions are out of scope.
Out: 8:18:54
